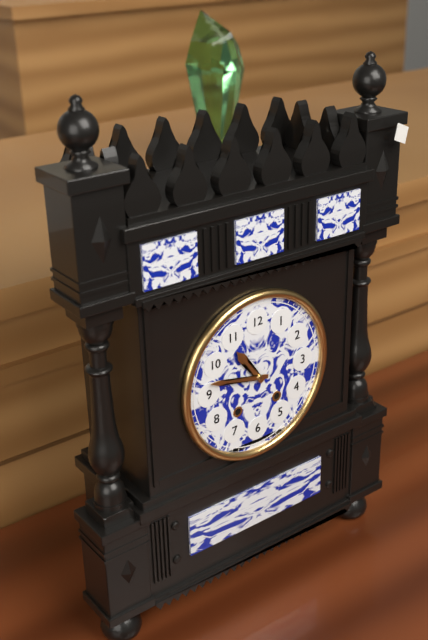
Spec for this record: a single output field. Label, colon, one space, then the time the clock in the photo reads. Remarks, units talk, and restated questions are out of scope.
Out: 10:47
